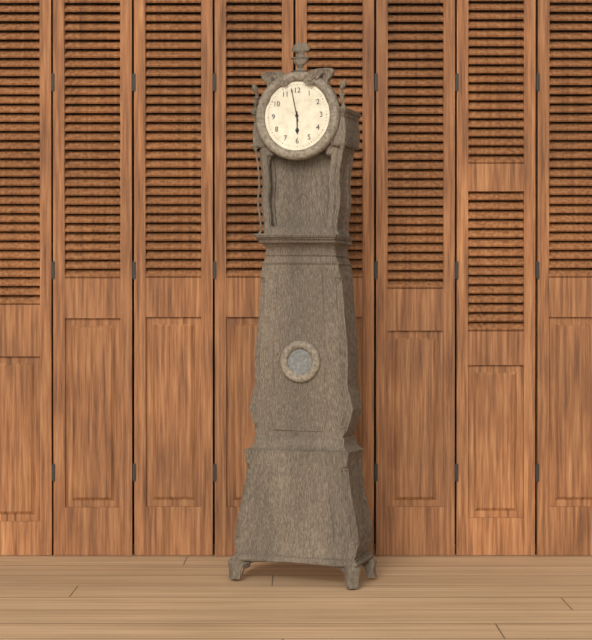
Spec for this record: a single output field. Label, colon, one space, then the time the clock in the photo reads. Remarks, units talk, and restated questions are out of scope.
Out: 5:58
